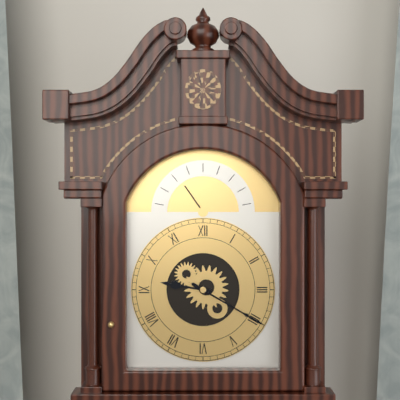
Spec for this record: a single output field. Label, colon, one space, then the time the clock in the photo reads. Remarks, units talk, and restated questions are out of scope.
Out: 9:20
